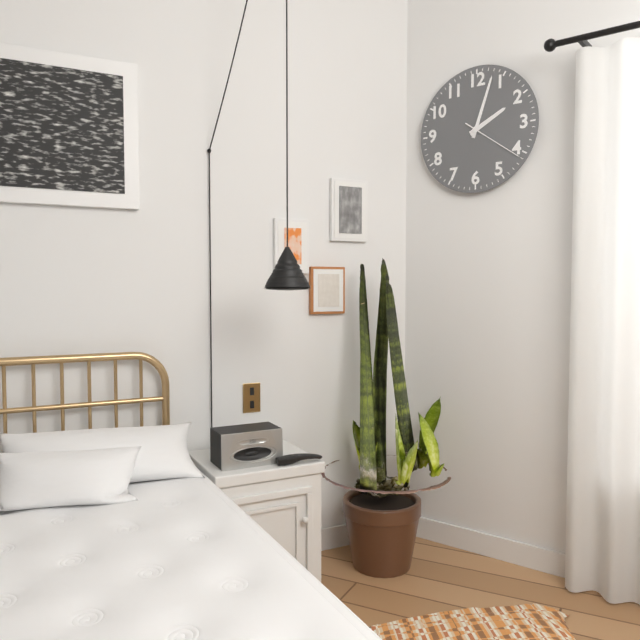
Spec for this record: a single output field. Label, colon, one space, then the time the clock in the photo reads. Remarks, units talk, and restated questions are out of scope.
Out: 2:03:21
